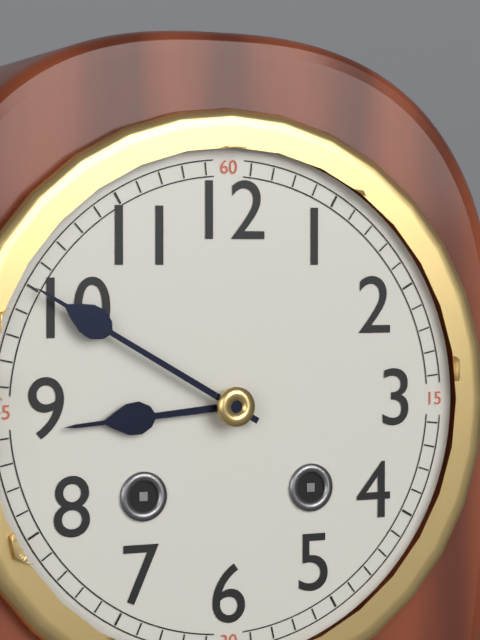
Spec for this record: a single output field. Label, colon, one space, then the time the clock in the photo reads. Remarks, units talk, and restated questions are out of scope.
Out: 8:50
